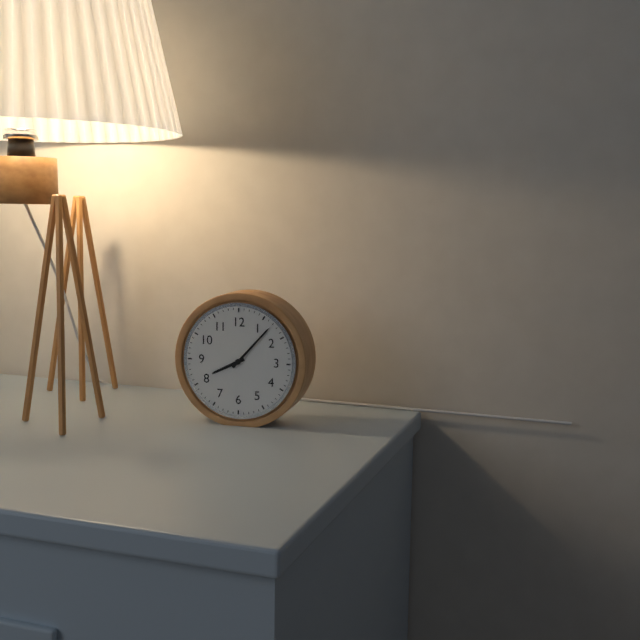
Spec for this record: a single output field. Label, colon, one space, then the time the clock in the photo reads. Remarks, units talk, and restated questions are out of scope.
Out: 8:07
